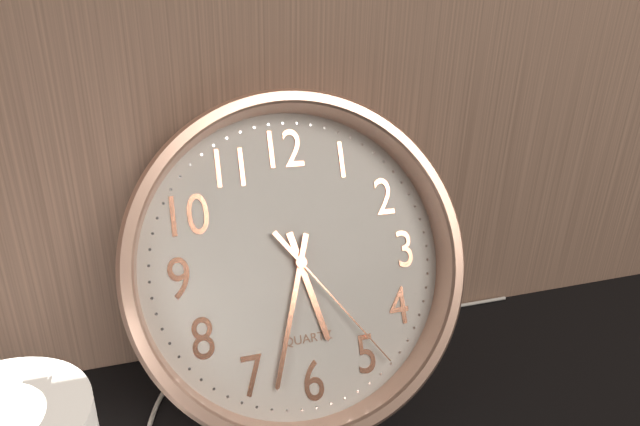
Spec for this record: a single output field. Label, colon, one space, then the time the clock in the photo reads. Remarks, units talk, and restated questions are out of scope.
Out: 5:33:24
